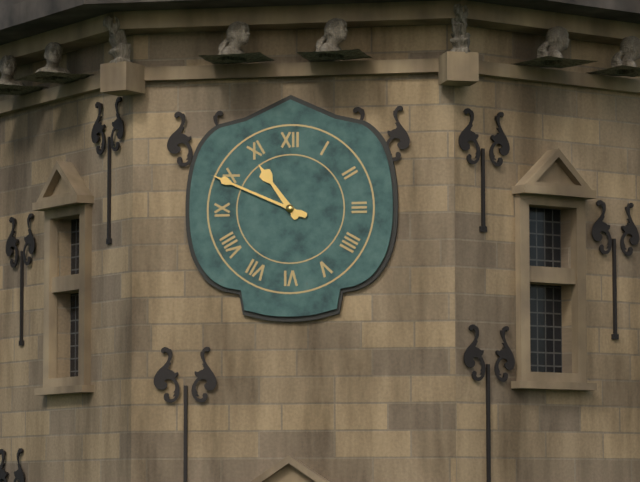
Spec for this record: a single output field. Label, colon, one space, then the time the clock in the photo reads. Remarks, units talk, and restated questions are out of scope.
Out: 10:49
